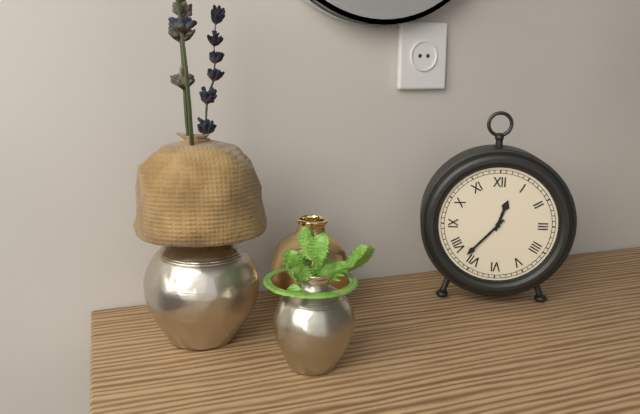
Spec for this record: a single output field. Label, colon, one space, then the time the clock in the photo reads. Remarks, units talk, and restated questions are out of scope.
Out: 12:37
